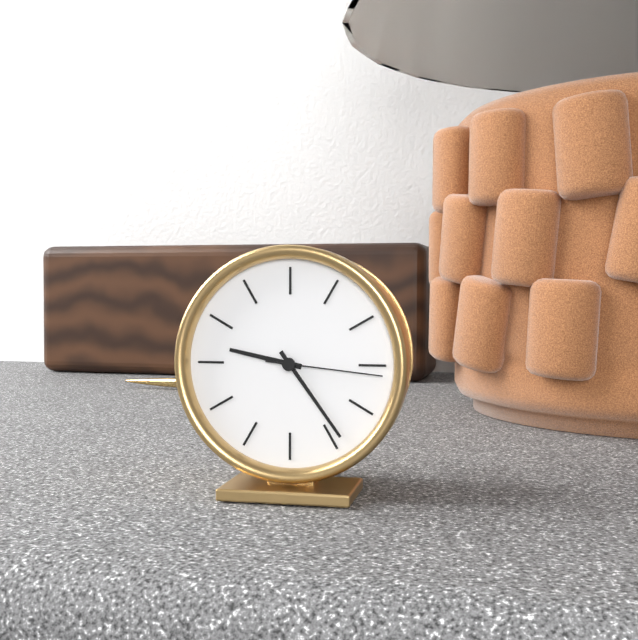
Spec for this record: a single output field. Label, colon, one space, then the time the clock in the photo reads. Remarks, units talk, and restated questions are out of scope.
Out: 9:24:16
